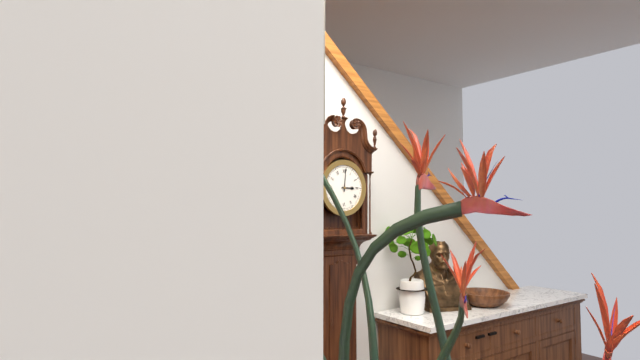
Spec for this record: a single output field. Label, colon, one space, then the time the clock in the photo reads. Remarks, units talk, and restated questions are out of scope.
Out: 3:01
